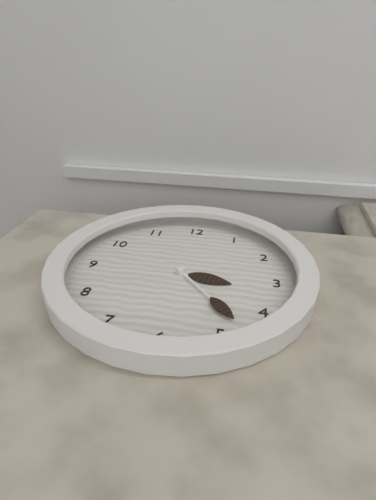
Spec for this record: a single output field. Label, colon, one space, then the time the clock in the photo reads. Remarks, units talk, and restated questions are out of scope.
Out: 3:23
